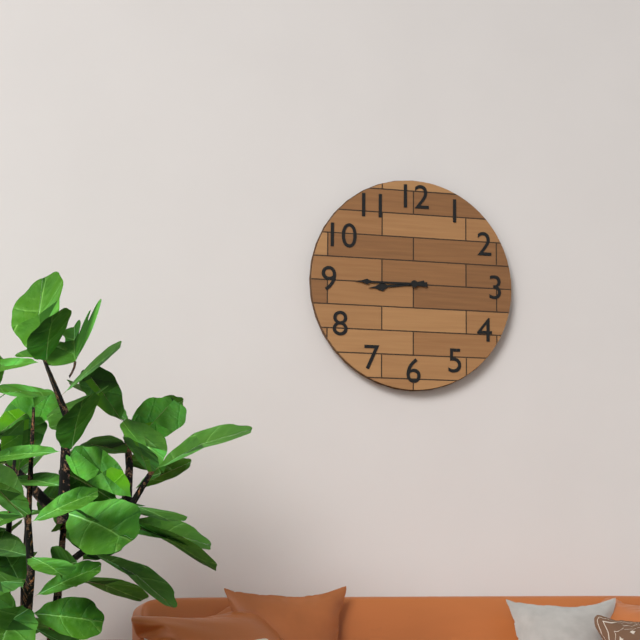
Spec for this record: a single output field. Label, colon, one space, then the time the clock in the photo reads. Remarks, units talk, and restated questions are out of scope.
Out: 8:45
